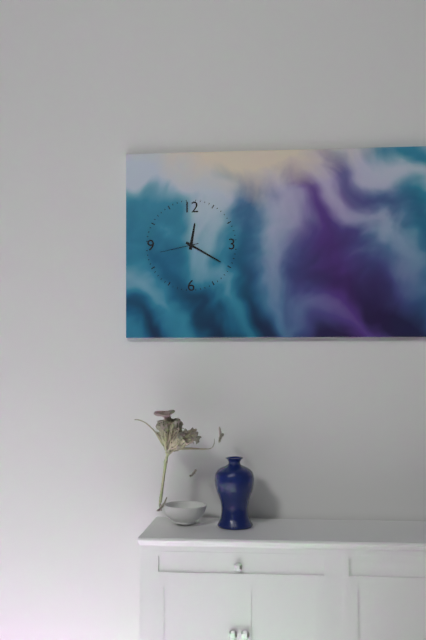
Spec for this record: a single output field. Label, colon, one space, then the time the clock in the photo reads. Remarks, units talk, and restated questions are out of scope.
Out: 12:20
